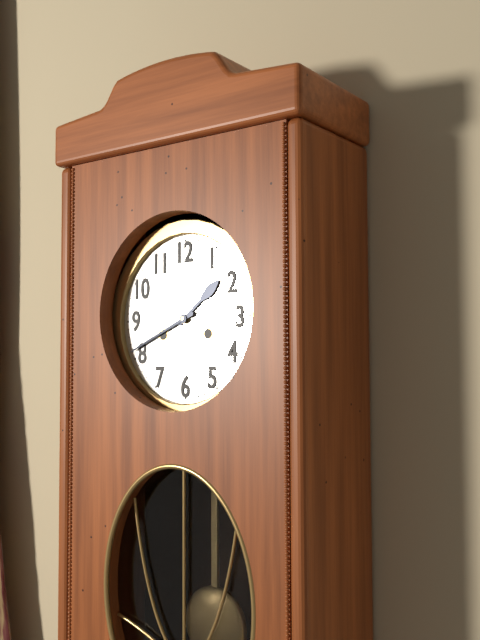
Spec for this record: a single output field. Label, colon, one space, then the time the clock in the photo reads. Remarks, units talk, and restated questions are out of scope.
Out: 1:41
